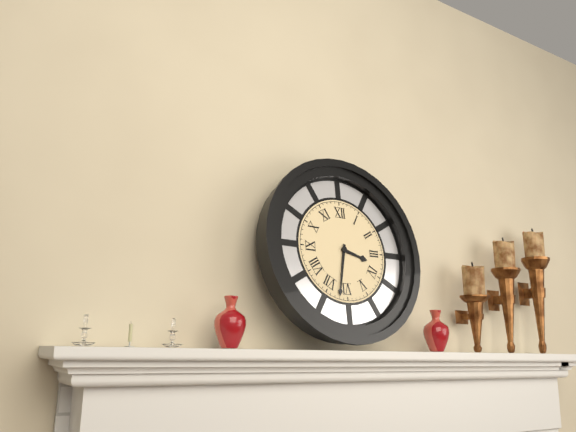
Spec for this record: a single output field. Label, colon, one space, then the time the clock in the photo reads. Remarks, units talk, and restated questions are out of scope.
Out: 3:32
